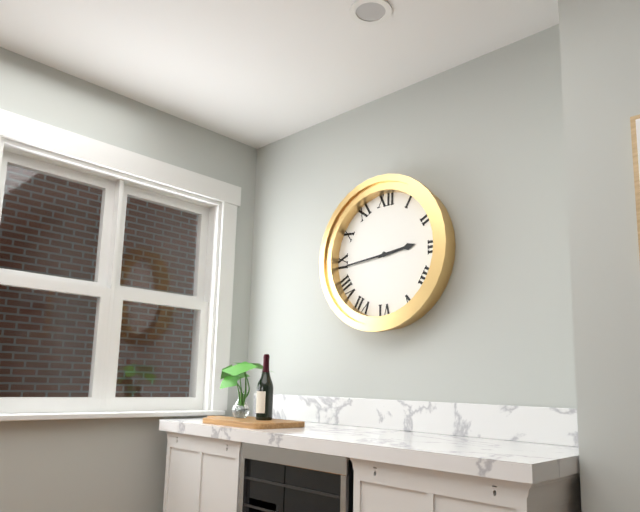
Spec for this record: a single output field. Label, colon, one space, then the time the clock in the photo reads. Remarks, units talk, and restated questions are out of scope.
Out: 2:44
